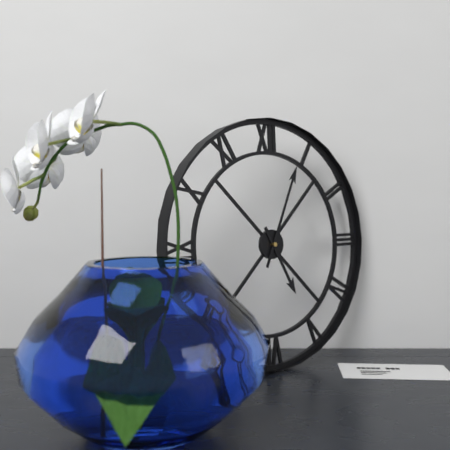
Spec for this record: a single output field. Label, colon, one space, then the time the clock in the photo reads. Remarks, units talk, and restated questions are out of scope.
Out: 5:04
